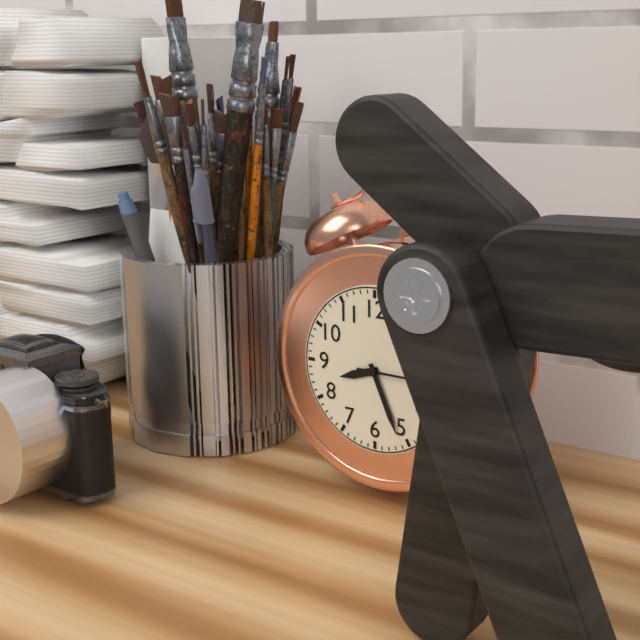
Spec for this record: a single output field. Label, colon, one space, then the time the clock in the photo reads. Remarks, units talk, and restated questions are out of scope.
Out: 8:26
